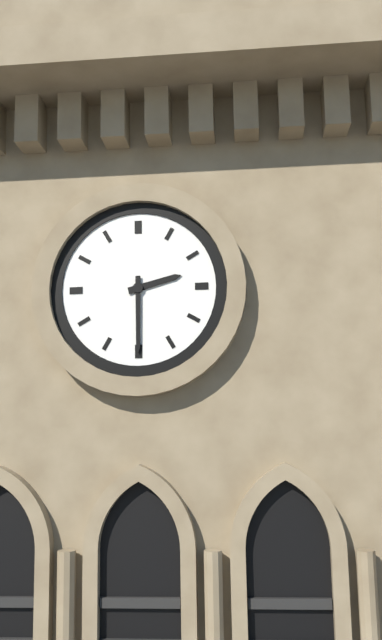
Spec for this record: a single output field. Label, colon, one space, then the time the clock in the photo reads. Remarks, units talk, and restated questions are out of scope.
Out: 2:30
